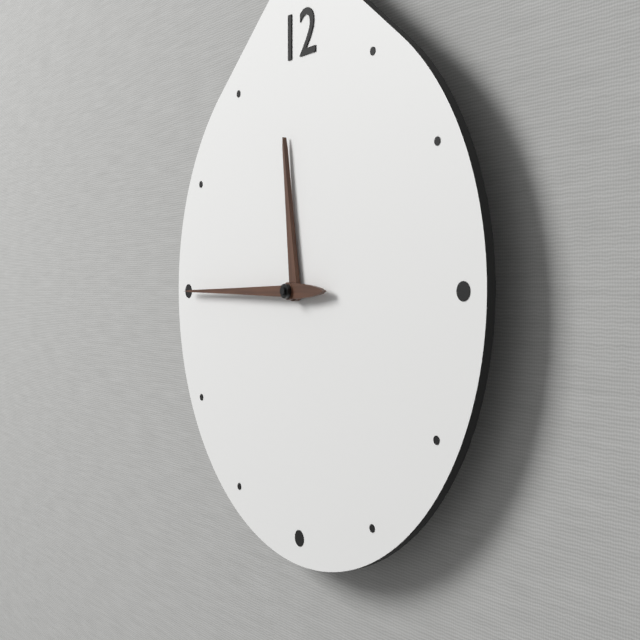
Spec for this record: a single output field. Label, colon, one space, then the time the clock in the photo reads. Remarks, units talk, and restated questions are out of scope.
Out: 11:45
